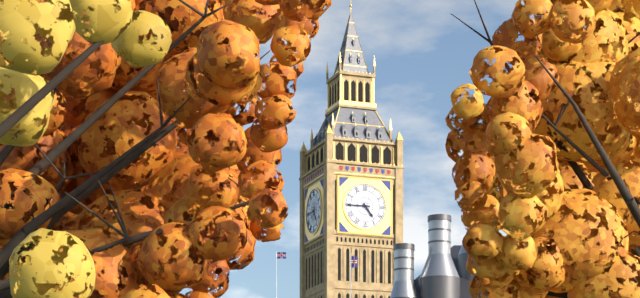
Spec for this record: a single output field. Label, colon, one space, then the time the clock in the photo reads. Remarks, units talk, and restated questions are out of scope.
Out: 4:45
